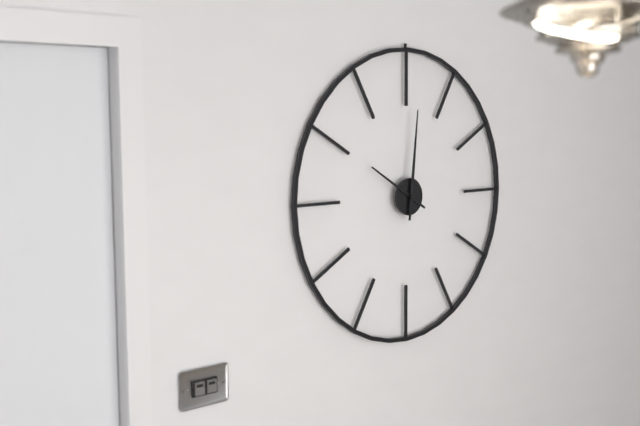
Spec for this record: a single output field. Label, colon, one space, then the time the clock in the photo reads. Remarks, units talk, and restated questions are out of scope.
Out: 10:01
